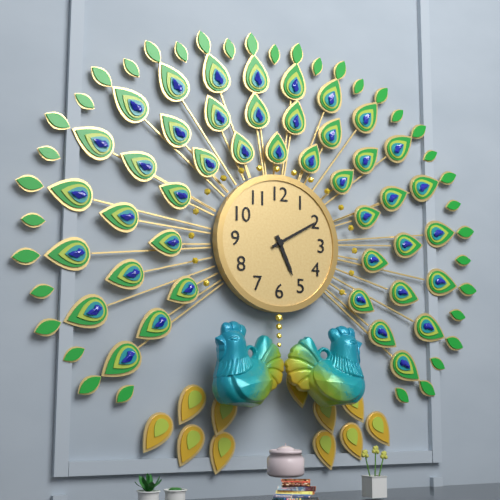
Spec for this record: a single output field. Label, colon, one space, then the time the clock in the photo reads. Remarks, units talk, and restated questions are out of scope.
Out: 5:10
